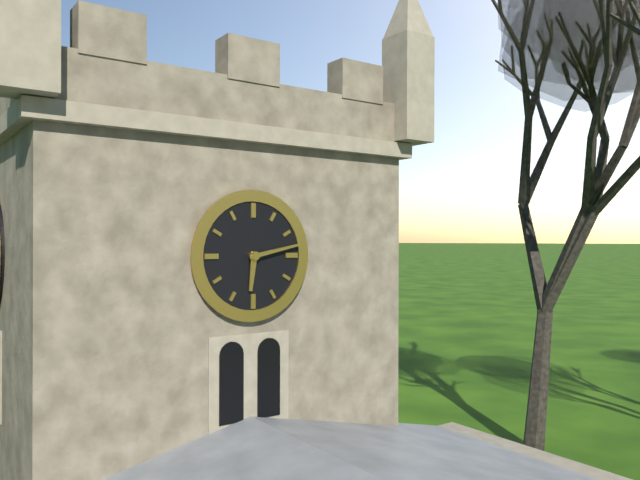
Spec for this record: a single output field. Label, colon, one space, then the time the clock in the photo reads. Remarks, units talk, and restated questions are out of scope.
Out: 6:13
